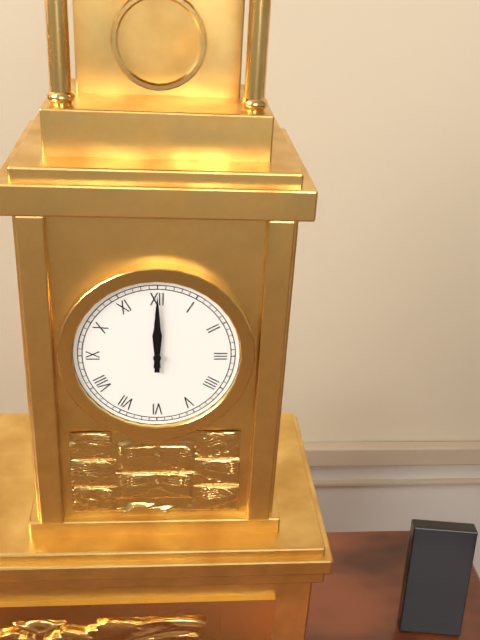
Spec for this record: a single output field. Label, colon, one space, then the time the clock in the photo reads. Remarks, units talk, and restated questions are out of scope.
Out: 12:00
